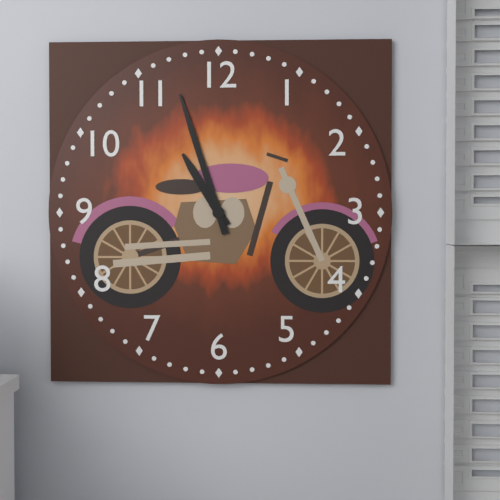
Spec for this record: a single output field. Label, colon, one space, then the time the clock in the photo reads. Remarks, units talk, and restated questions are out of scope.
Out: 10:57
